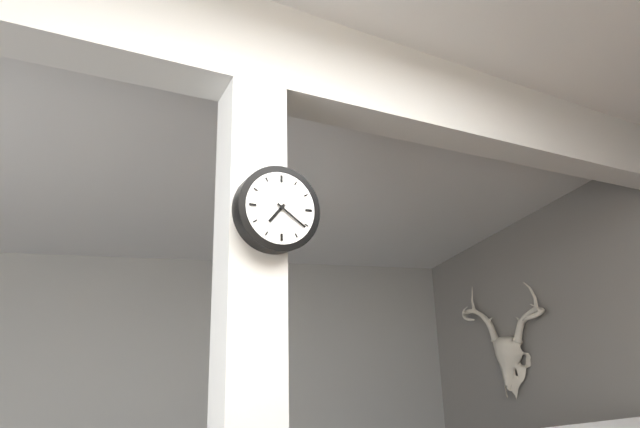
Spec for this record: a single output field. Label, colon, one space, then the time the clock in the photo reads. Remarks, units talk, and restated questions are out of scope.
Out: 7:21
